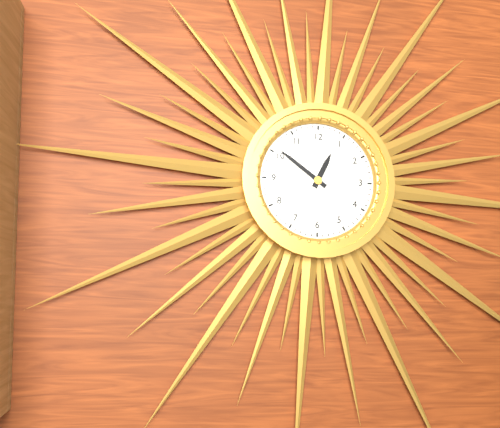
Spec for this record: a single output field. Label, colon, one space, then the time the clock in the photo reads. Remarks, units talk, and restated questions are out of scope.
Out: 12:51
